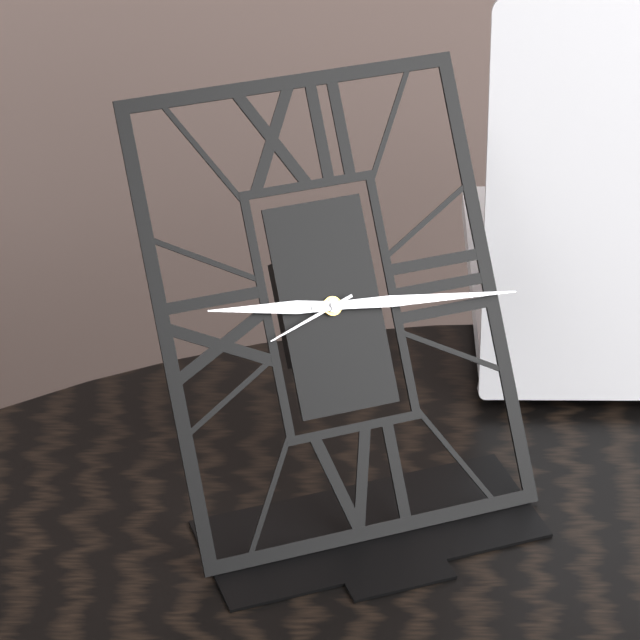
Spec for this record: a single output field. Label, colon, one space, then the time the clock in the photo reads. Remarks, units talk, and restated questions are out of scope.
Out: 9:16:42
